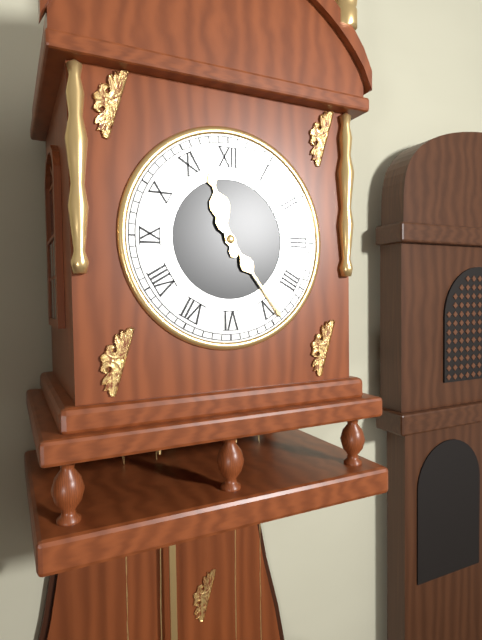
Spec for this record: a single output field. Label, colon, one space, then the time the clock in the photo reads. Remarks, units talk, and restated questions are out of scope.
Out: 11:24
